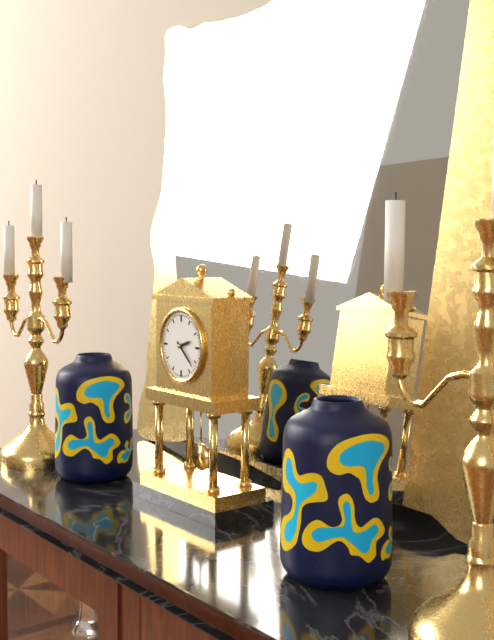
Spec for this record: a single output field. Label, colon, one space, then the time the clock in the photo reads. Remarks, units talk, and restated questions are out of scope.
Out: 2:22
